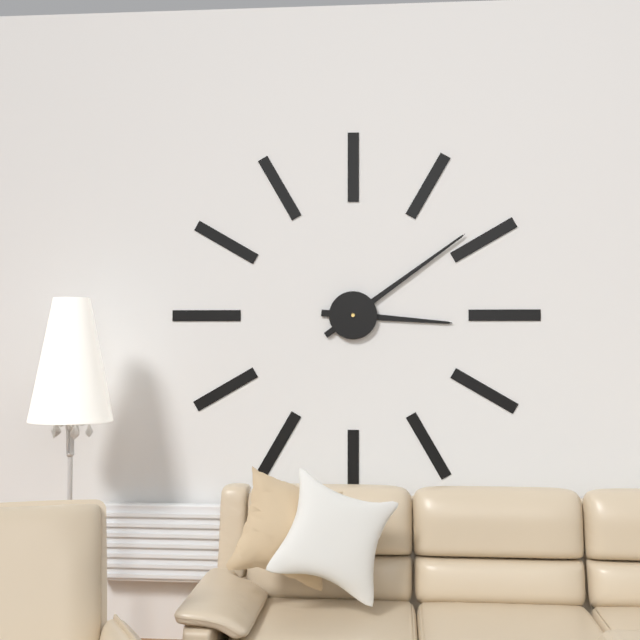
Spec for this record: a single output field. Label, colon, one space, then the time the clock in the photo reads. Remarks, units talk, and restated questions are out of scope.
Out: 3:09
